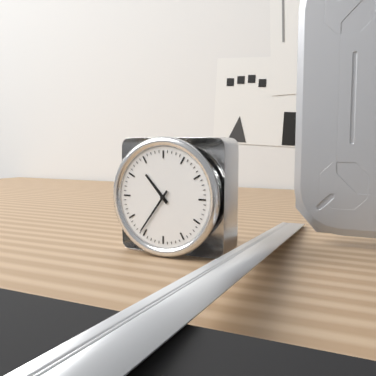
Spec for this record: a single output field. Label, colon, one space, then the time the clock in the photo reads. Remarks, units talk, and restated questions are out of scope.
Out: 10:36
